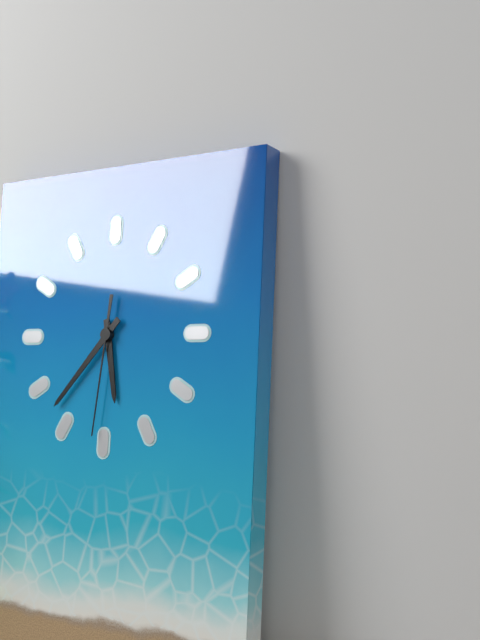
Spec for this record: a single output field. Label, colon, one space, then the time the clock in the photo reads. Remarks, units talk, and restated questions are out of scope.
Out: 5:37:31
